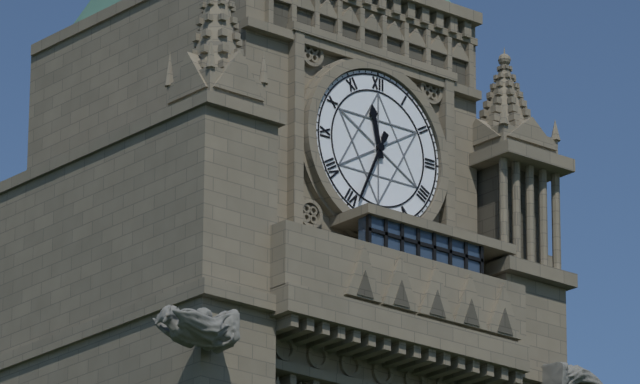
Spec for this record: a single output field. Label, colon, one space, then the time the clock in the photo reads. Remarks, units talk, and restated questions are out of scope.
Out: 11:34
